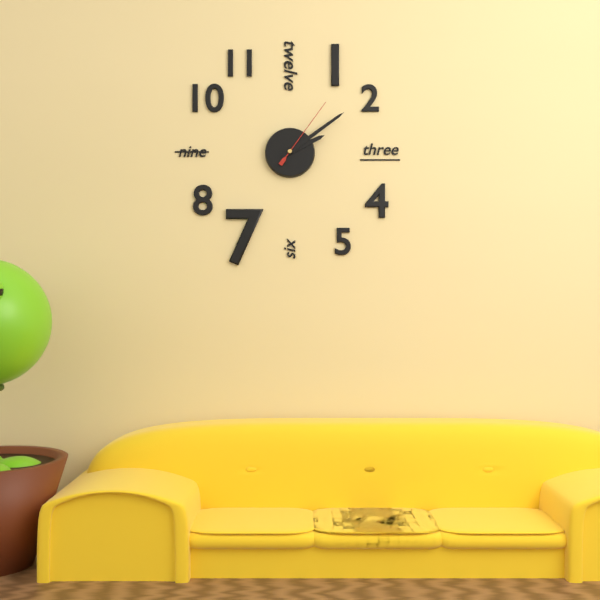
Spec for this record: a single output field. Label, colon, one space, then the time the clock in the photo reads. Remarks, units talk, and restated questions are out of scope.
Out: 2:09:06
